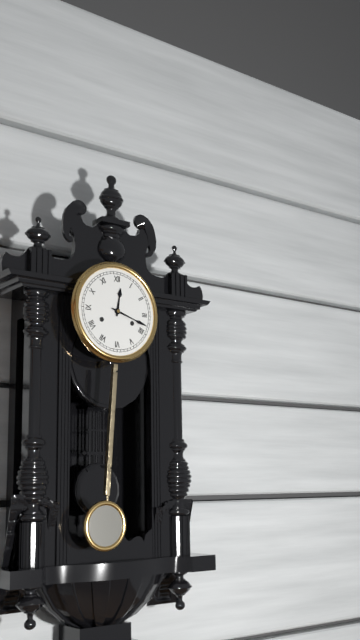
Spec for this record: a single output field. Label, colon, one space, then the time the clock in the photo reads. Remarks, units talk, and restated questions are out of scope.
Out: 12:18
